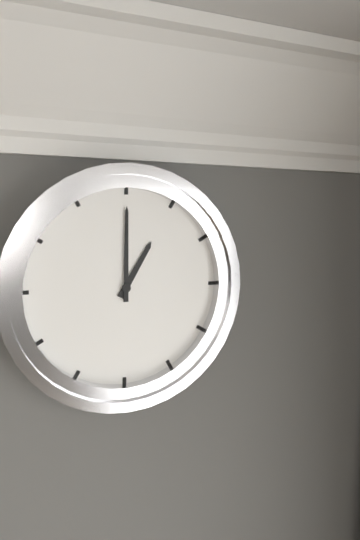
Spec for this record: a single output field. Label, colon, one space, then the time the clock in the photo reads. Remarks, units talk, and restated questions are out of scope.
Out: 1:00
